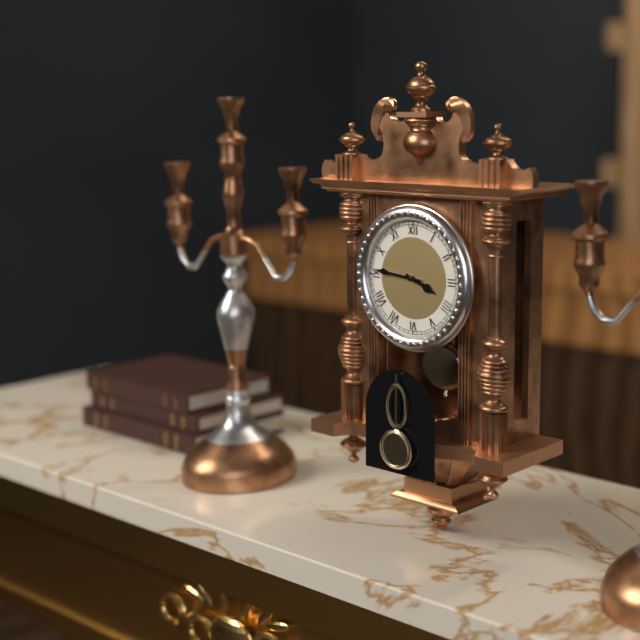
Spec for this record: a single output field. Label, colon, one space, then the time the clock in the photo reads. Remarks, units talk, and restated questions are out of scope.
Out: 3:46
